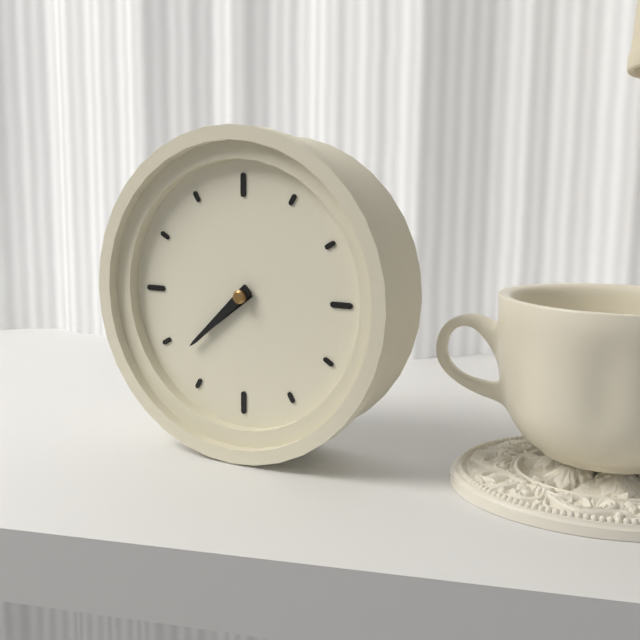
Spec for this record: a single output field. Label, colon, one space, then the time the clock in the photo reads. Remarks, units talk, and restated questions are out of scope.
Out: 7:38
